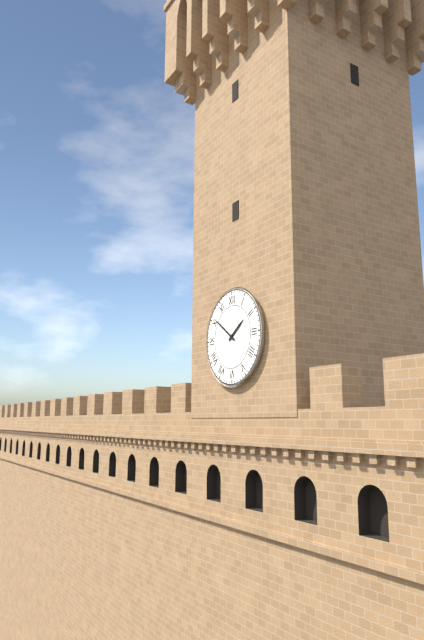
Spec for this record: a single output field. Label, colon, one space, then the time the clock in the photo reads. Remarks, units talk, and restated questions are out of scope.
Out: 1:51
